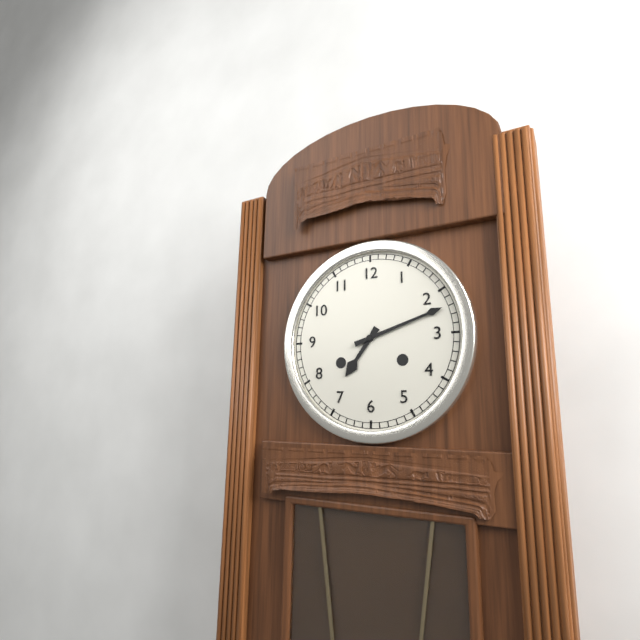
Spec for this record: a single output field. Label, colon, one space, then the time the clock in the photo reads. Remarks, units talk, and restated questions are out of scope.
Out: 7:12
